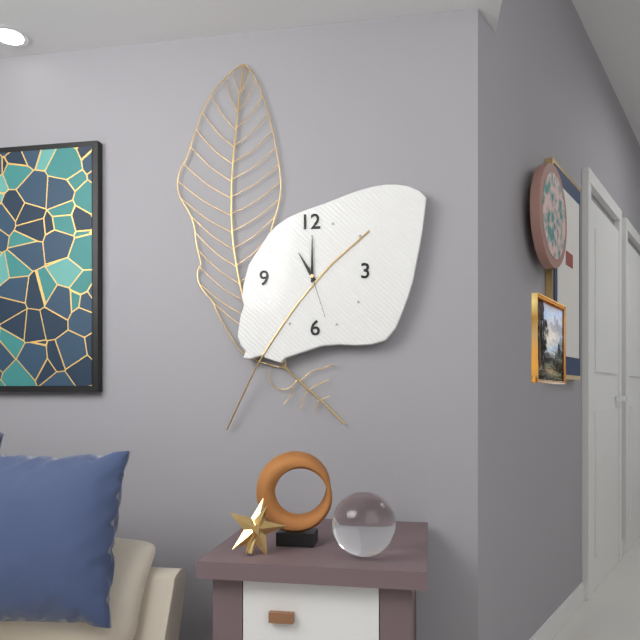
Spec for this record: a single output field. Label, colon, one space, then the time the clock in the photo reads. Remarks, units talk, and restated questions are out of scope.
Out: 11:00:27
